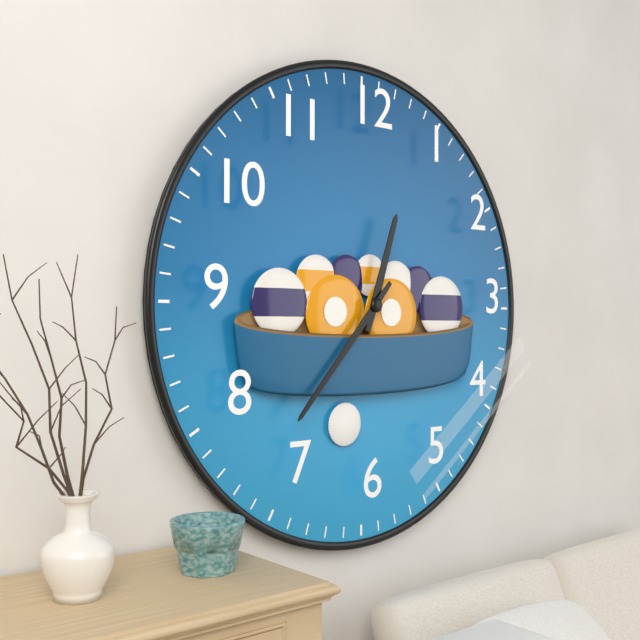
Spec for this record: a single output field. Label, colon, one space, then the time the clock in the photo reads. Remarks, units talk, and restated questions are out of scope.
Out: 12:37
